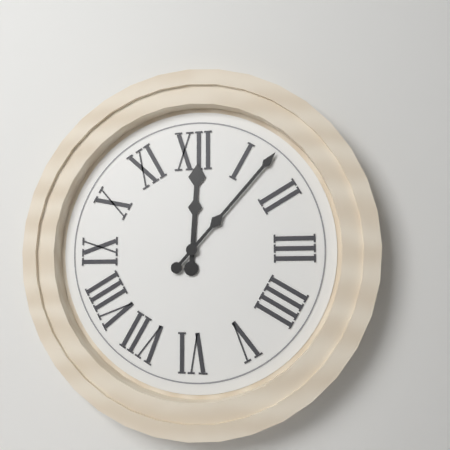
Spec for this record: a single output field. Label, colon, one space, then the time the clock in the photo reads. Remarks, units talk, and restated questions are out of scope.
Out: 12:07
